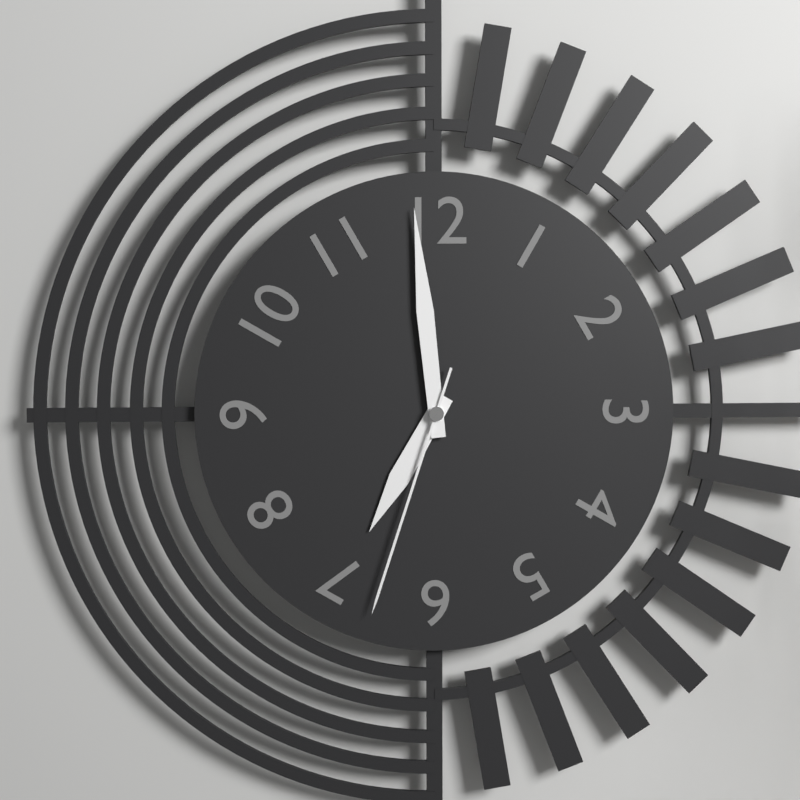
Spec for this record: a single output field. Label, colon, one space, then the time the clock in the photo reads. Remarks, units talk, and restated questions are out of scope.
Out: 6:59:33
